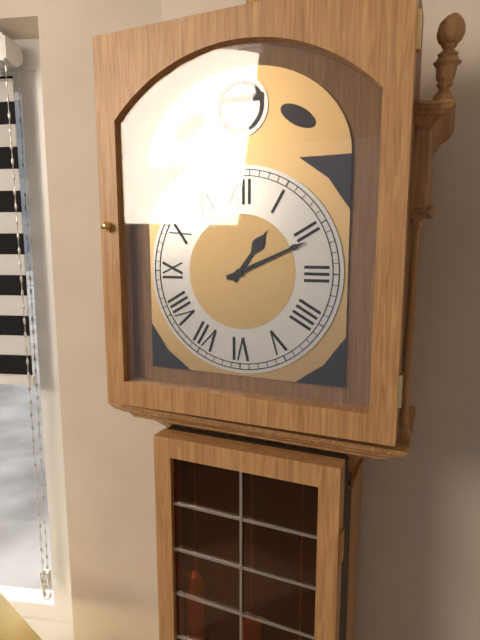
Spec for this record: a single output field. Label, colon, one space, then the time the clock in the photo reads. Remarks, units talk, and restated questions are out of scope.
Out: 1:11
